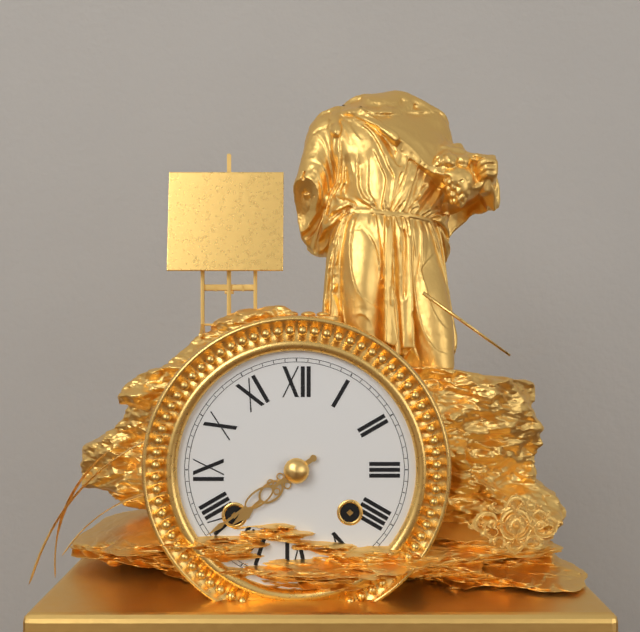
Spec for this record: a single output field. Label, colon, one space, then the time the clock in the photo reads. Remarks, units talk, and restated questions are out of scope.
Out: 7:39
